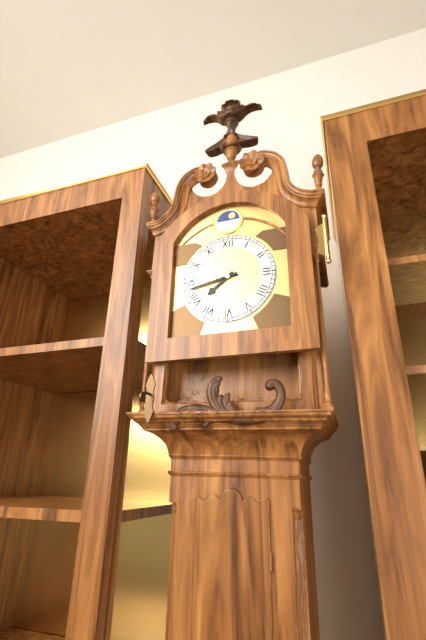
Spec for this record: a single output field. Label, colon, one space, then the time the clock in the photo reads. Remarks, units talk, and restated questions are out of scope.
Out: 7:43
